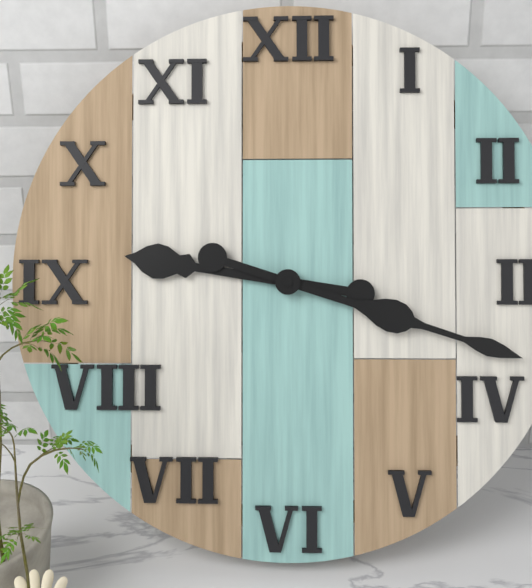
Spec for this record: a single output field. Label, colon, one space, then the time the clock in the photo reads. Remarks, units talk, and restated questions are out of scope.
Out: 9:18
